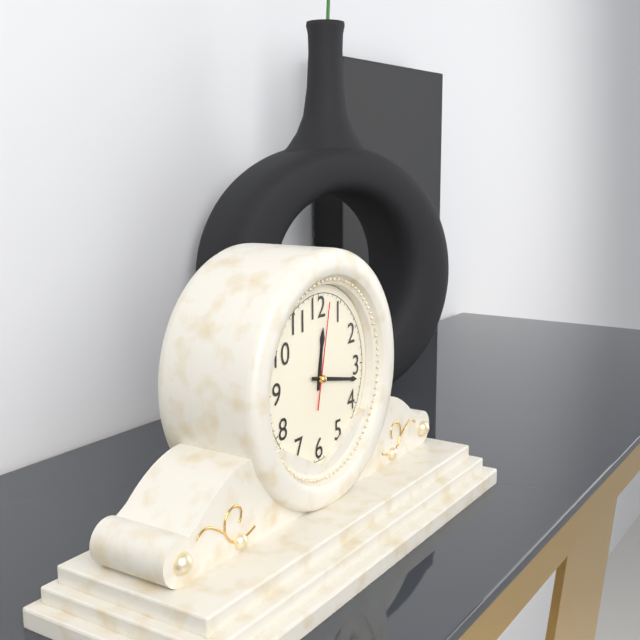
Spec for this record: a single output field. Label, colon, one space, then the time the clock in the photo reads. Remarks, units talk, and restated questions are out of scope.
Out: 12:17:02
